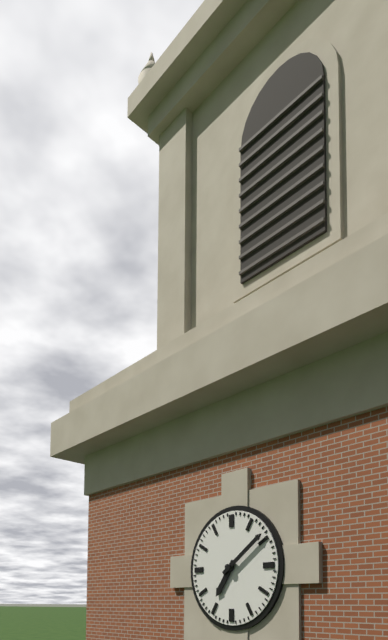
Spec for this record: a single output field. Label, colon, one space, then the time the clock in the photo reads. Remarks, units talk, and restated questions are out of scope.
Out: 7:09
